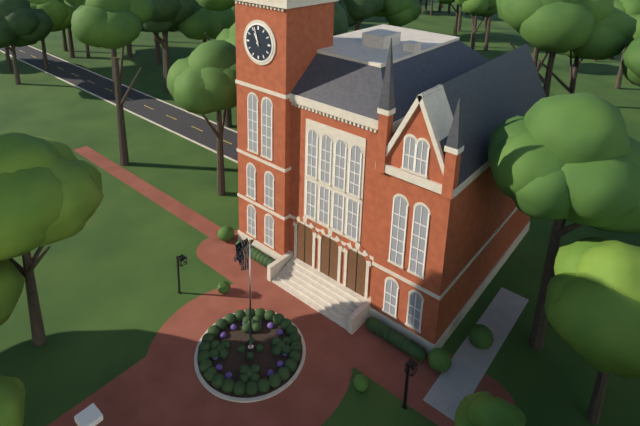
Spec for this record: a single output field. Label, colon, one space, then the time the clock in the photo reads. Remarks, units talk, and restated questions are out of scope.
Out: 10:57
